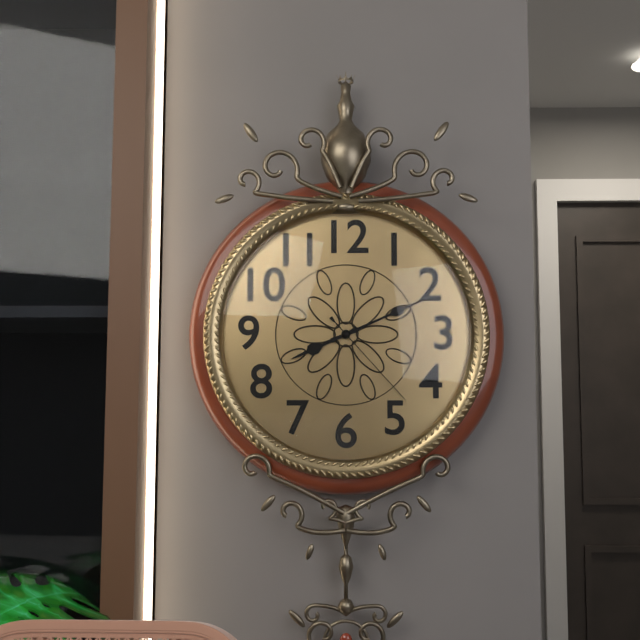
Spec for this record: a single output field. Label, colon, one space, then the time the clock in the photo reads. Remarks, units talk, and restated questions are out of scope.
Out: 8:11:23
